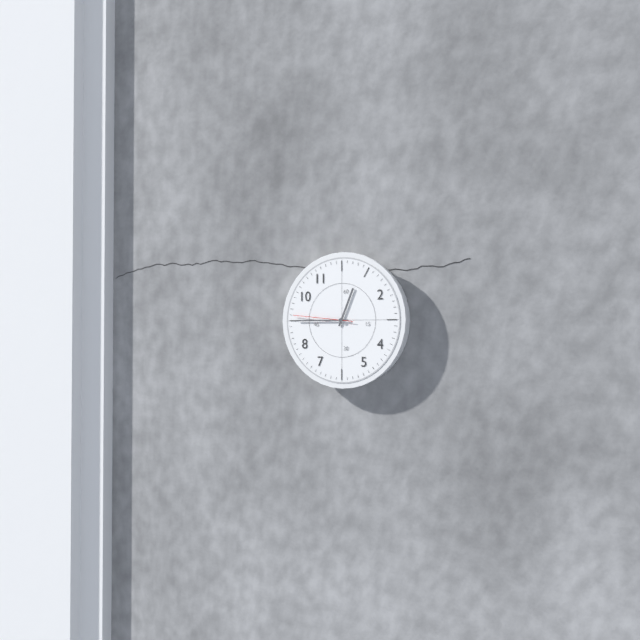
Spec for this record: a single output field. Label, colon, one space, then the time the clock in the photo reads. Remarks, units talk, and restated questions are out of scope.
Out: 12:45:46
